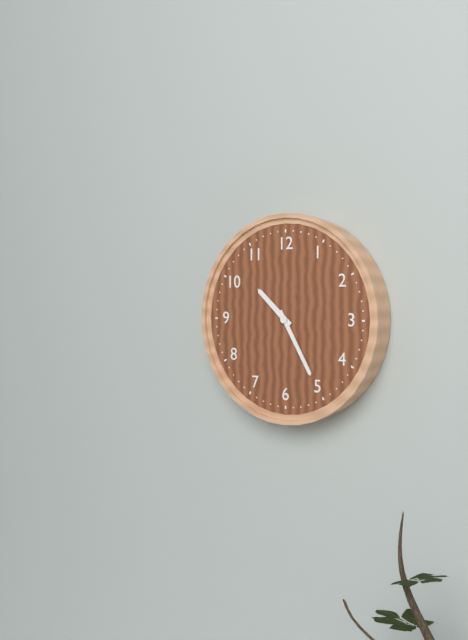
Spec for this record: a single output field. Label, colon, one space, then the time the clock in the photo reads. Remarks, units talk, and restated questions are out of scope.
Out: 10:25
